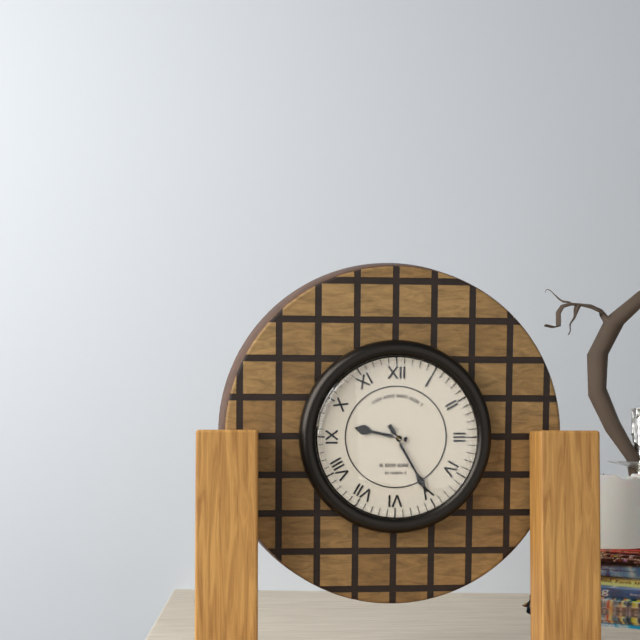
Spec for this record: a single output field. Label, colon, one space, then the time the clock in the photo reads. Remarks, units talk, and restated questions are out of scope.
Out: 9:25
